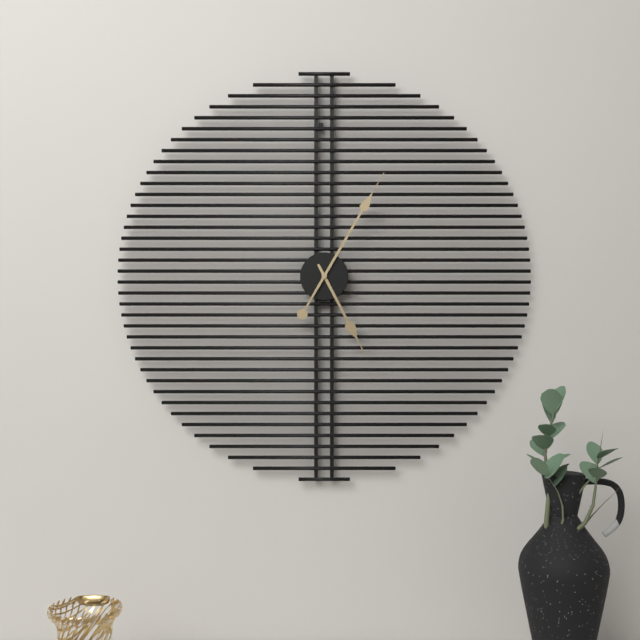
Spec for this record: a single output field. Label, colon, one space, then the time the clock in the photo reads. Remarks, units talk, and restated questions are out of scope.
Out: 5:05
